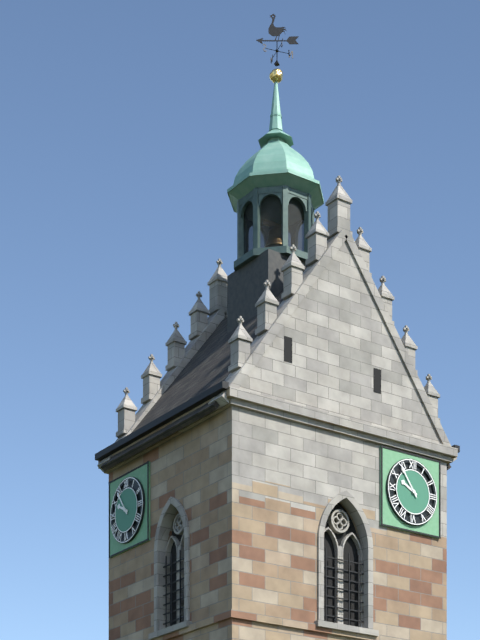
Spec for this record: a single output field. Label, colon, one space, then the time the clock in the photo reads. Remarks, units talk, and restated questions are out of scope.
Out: 9:54
